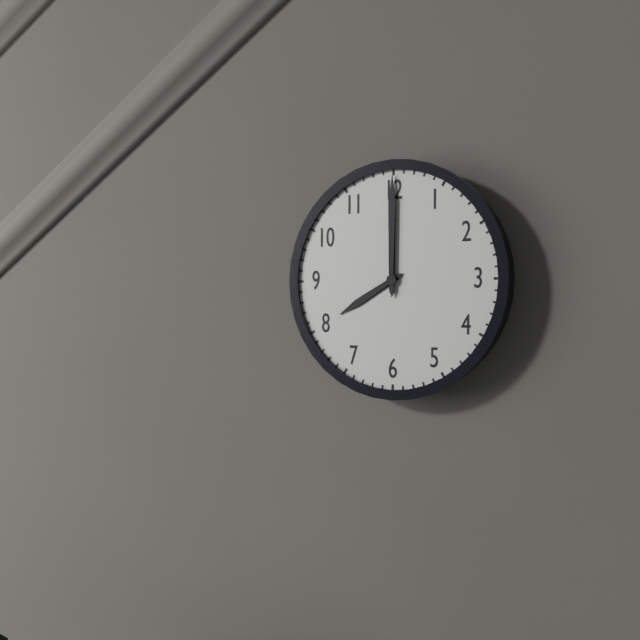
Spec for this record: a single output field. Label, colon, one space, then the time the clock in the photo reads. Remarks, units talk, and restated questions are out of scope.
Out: 8:00
